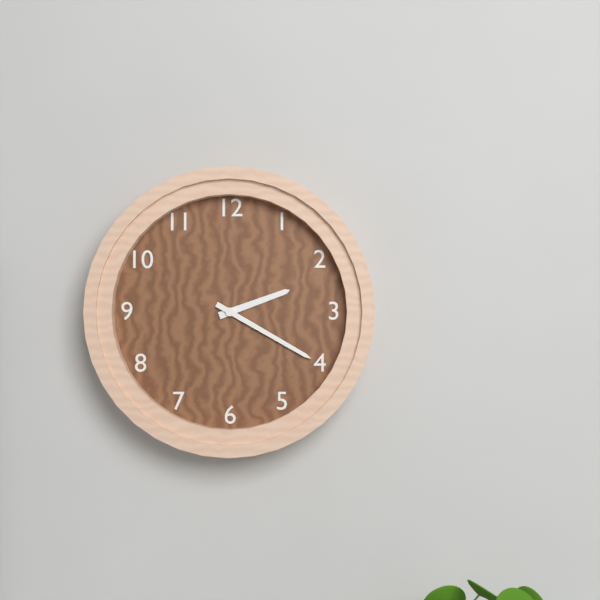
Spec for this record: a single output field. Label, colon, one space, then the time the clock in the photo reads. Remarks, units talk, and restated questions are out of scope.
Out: 2:20
